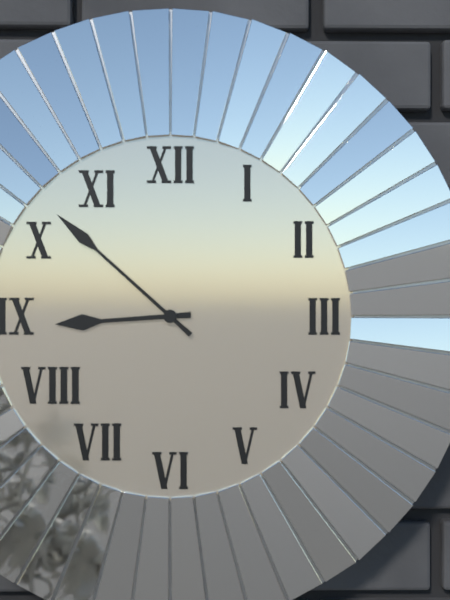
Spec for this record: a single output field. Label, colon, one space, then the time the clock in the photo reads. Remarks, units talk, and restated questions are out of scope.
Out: 8:52
